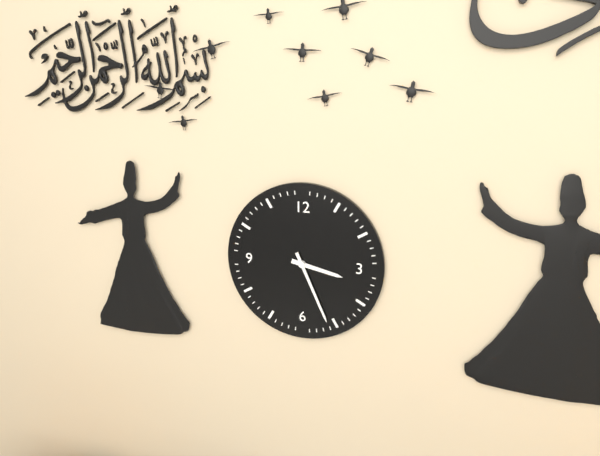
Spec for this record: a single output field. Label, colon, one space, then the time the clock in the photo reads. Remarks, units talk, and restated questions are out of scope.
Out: 3:26
